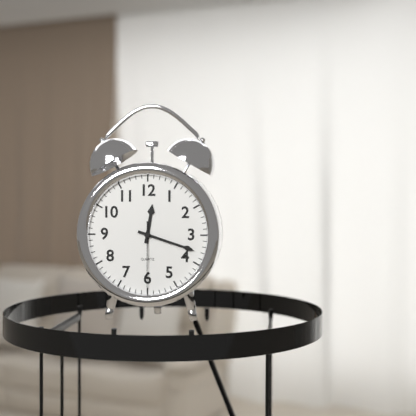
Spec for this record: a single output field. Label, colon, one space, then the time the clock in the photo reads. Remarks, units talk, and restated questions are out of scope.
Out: 12:18:30
